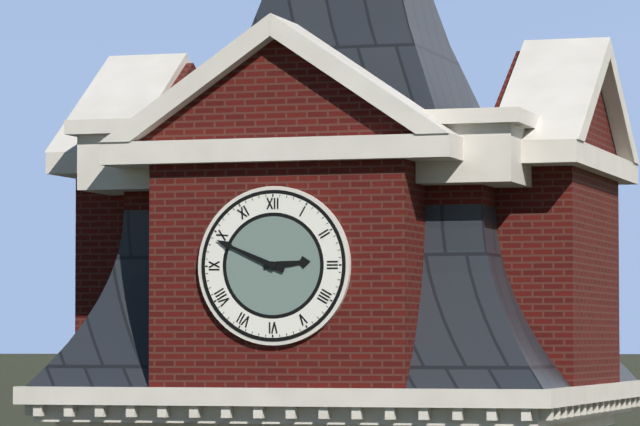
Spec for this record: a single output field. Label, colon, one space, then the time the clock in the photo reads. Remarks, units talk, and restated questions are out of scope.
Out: 2:49
